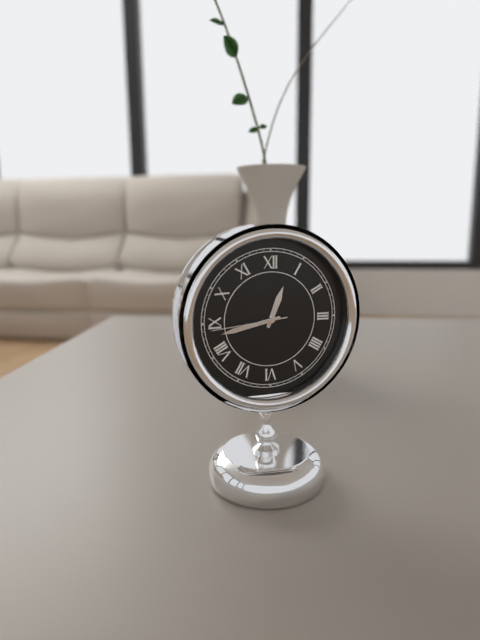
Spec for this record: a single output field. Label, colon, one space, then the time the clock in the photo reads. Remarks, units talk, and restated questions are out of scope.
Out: 12:43:44
